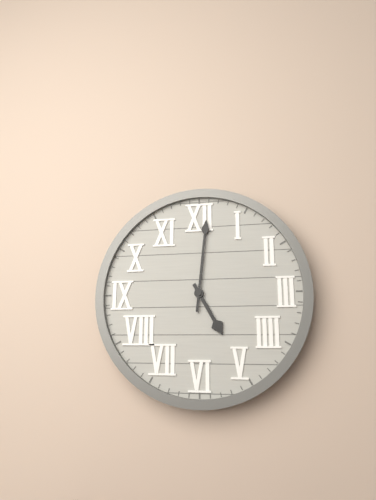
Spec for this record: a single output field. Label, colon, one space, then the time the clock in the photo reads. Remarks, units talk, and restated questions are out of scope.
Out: 5:01
